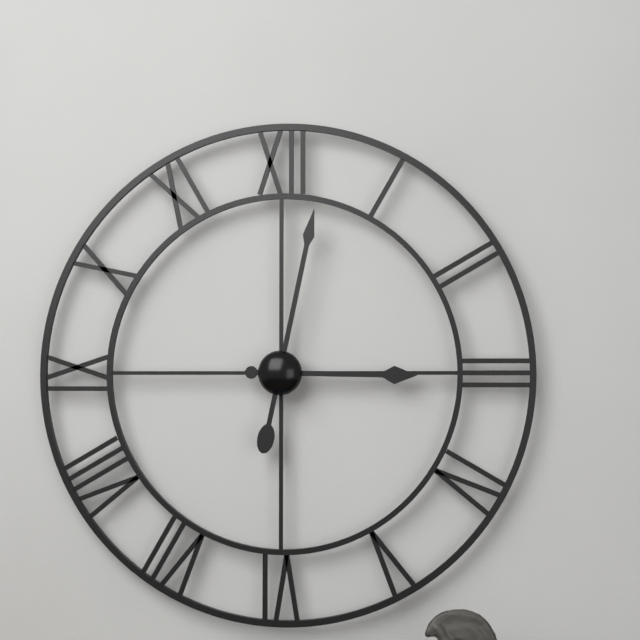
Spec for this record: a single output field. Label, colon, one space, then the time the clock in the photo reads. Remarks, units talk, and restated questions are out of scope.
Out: 3:02
